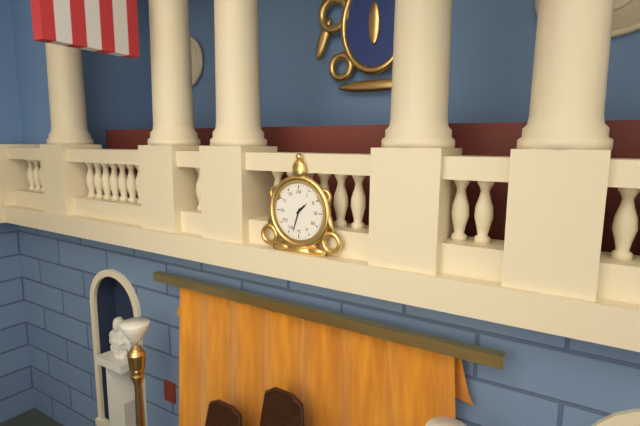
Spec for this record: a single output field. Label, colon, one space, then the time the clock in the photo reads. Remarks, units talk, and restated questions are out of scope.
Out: 1:33
